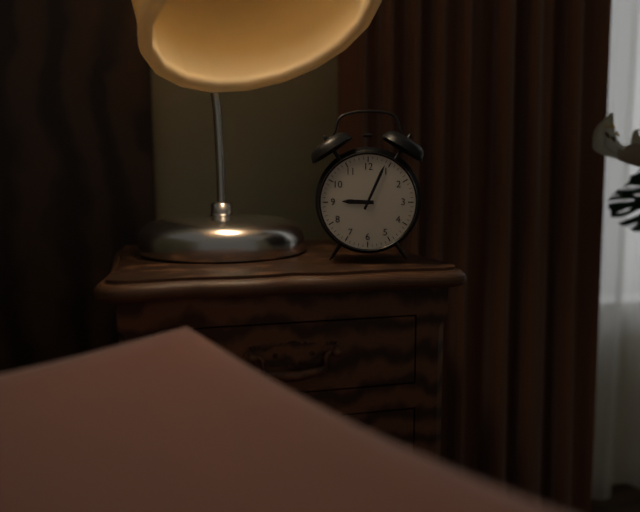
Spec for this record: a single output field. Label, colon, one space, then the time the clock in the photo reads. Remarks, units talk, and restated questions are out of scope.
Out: 9:04
